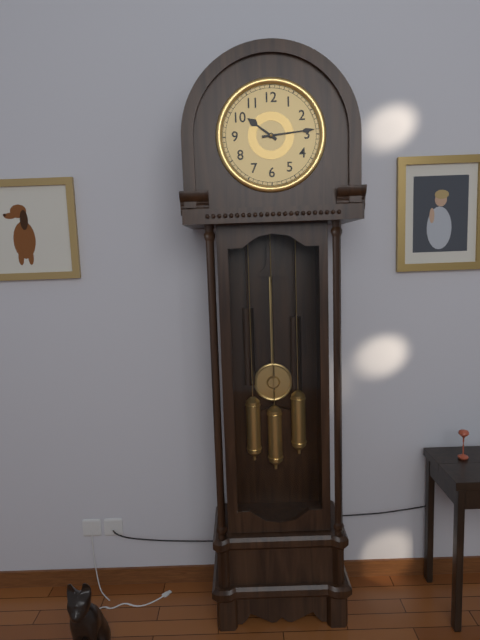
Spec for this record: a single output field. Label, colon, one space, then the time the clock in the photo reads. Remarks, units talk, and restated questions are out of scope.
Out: 10:14
